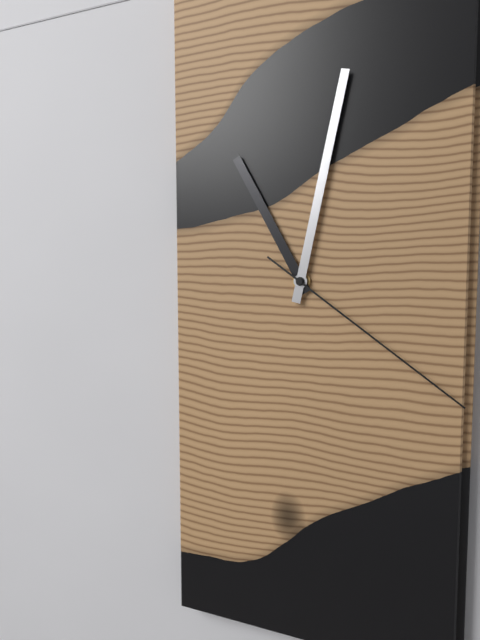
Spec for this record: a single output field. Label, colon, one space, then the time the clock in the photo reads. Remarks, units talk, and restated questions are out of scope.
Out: 11:02:21
